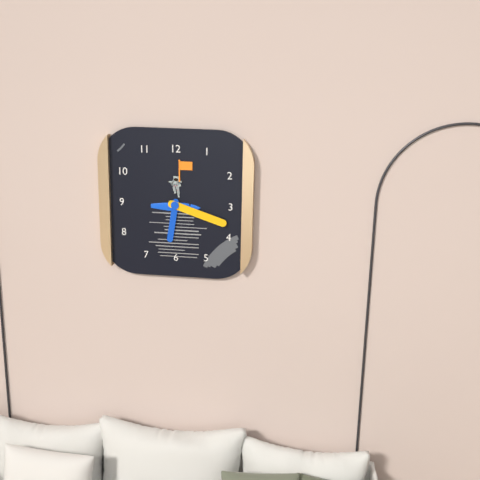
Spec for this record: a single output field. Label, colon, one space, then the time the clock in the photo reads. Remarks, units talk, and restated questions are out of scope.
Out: 6:18
